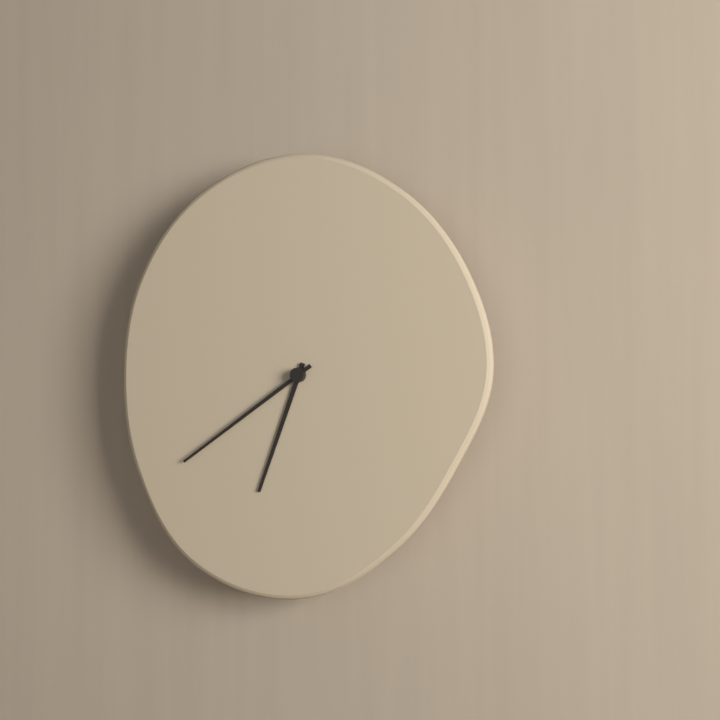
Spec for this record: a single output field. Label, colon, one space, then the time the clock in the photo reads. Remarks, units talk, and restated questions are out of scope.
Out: 6:39
